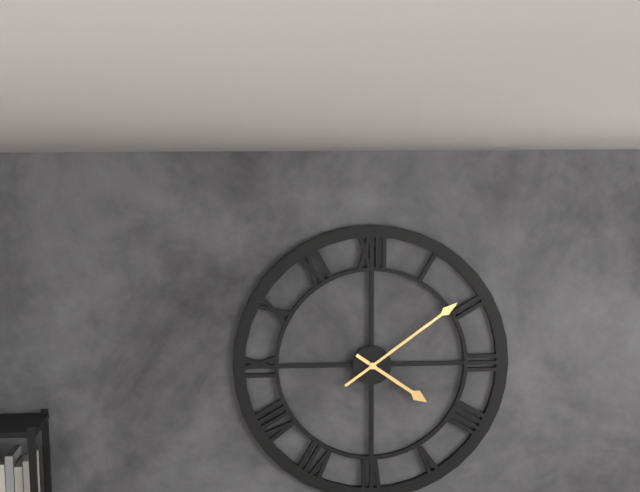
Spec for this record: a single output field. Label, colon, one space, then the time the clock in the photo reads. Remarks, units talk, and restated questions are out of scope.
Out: 4:09
